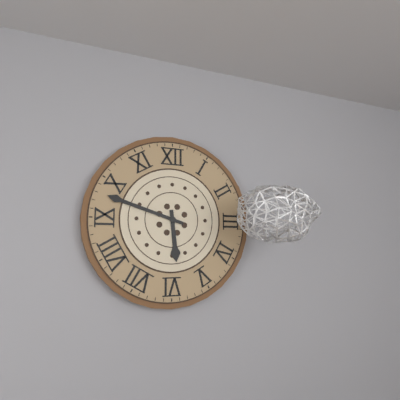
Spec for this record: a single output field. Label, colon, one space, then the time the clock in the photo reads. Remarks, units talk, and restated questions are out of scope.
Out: 5:48
